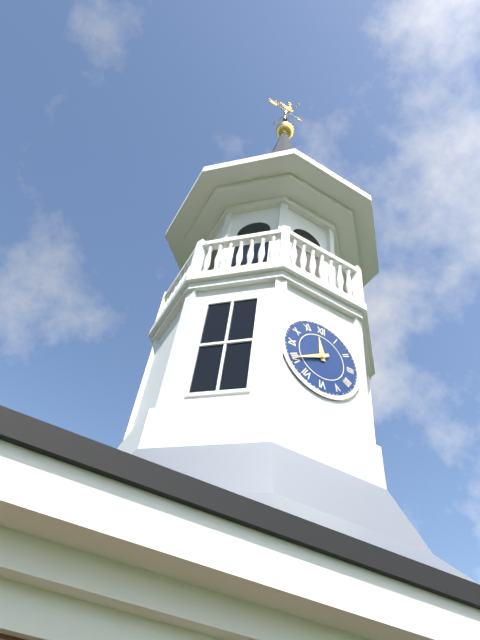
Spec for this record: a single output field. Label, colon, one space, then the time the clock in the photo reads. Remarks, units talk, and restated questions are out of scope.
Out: 11:40
